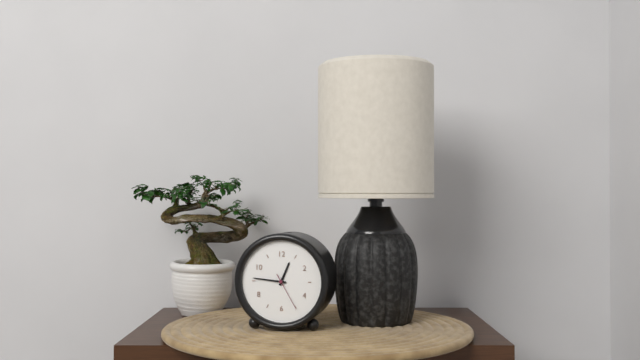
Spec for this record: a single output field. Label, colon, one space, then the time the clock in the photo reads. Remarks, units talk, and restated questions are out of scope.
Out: 12:46
